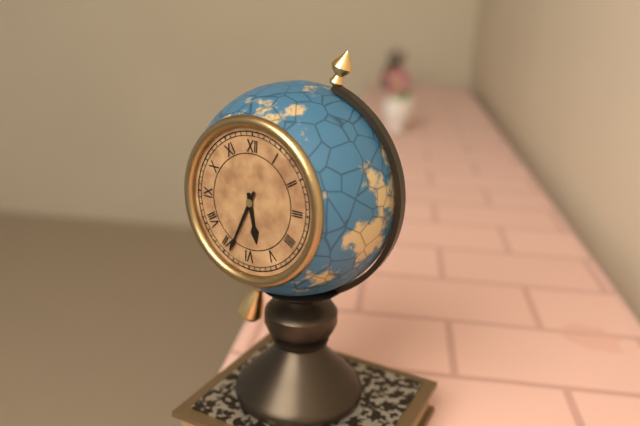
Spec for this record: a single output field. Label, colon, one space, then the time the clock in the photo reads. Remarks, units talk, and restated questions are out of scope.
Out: 5:34
